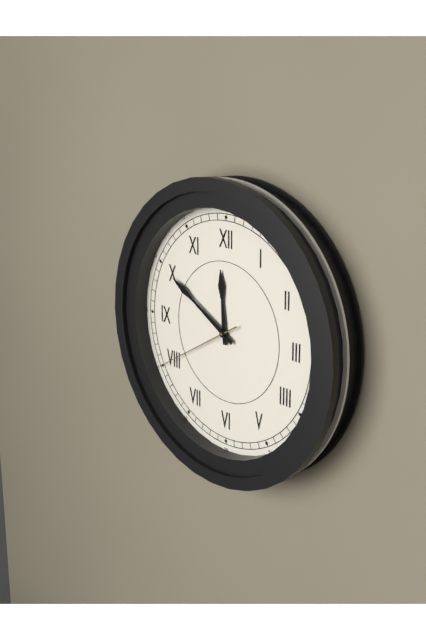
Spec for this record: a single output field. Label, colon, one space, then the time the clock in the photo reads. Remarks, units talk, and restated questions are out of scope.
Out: 11:50:40
